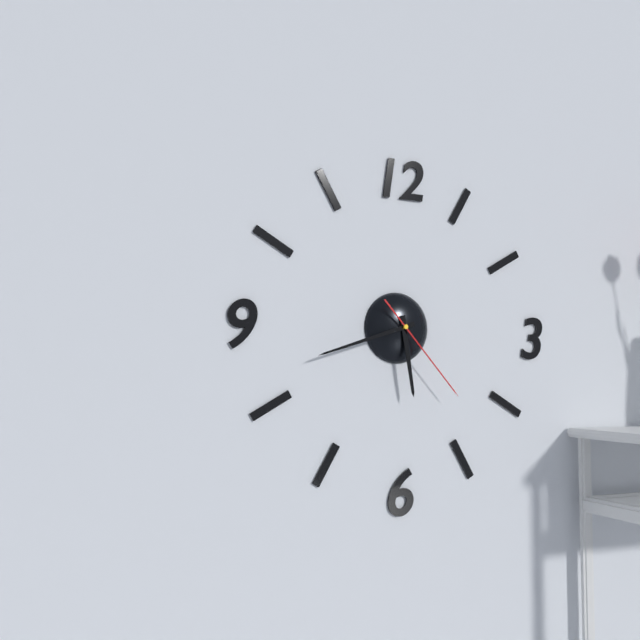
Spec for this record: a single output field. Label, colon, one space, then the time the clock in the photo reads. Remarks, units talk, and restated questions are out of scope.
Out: 5:42:23
